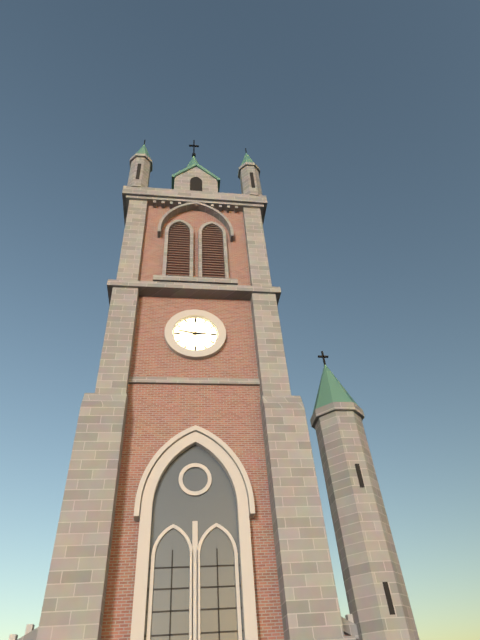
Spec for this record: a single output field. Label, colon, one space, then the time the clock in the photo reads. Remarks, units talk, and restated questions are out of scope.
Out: 2:47
